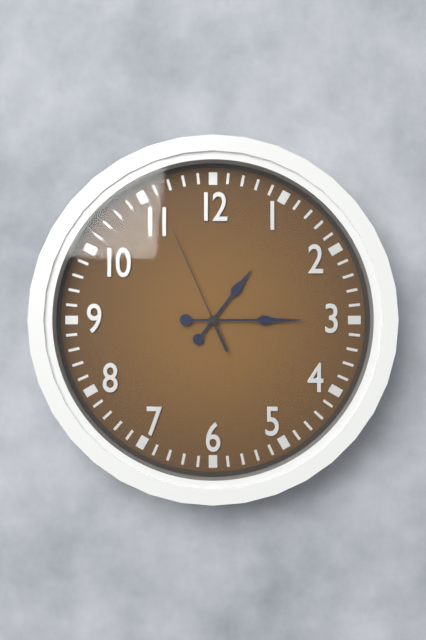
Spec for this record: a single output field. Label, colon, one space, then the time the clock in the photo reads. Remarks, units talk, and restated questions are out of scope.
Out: 1:15:56
